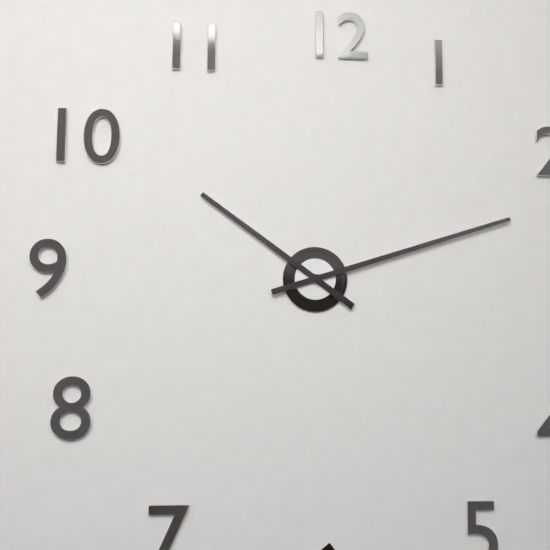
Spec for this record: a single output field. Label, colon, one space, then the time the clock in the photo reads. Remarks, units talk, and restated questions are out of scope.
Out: 10:12
